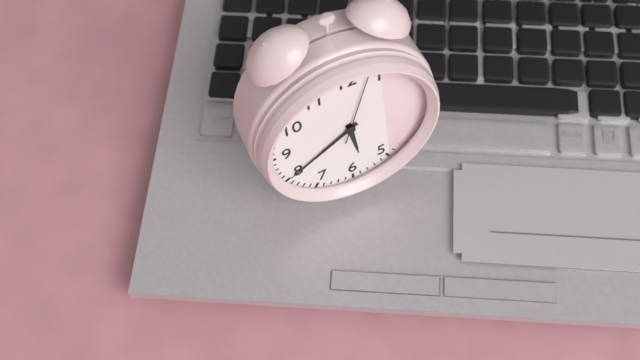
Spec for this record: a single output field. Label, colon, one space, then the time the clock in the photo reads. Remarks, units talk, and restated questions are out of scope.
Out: 5:40:03
